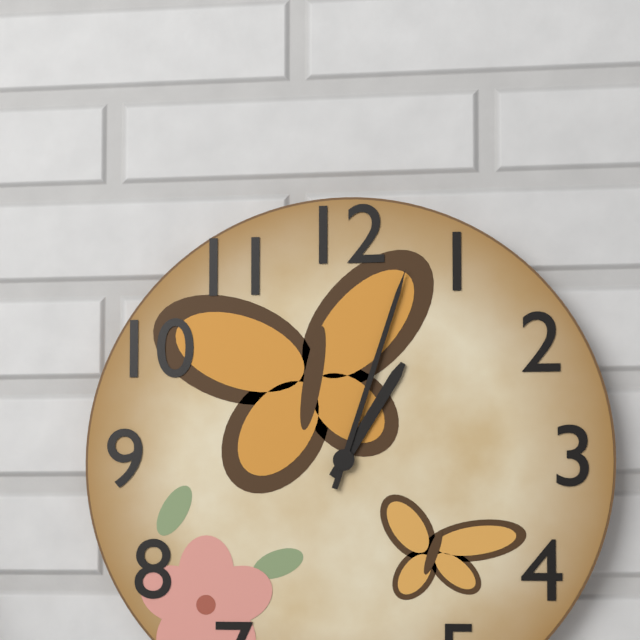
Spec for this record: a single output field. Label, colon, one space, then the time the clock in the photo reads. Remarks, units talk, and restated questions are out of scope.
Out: 1:03
